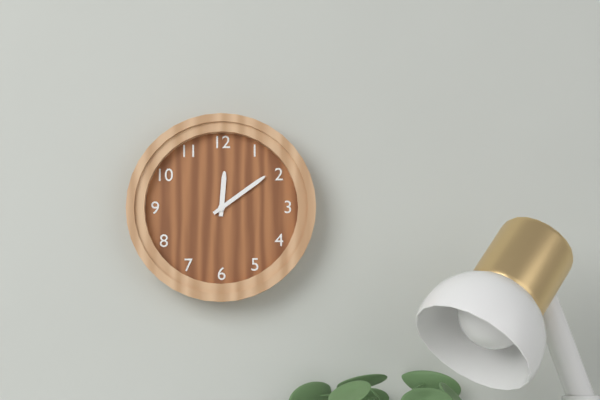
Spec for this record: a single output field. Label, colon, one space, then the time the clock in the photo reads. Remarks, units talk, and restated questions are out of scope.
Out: 12:09
